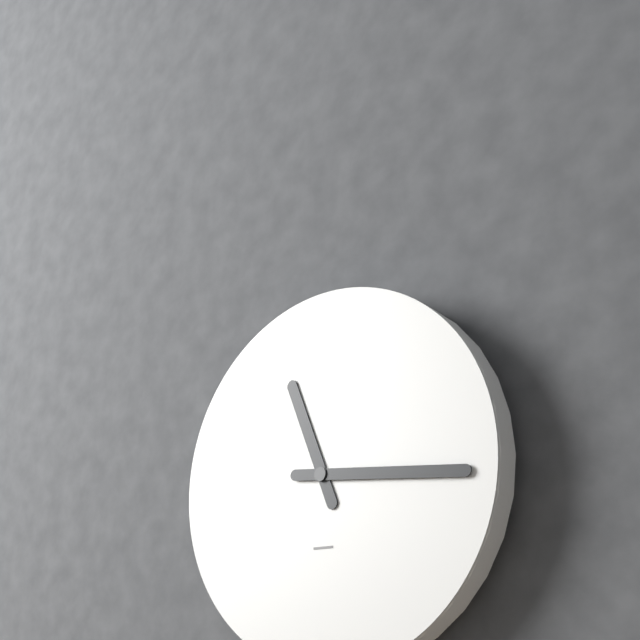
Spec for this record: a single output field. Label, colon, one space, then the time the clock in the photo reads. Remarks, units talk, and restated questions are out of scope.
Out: 11:16
